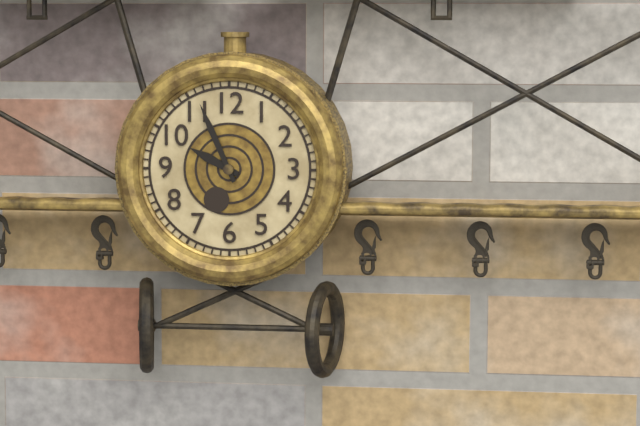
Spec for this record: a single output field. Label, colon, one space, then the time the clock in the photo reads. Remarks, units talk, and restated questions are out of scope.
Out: 9:56
